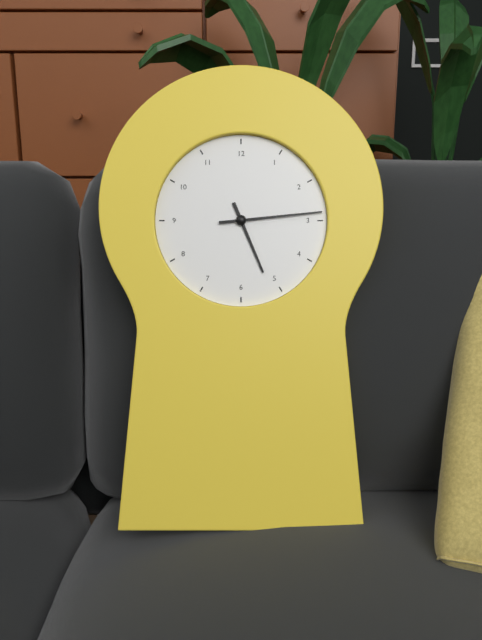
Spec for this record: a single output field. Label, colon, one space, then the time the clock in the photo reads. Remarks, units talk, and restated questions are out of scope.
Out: 5:14
